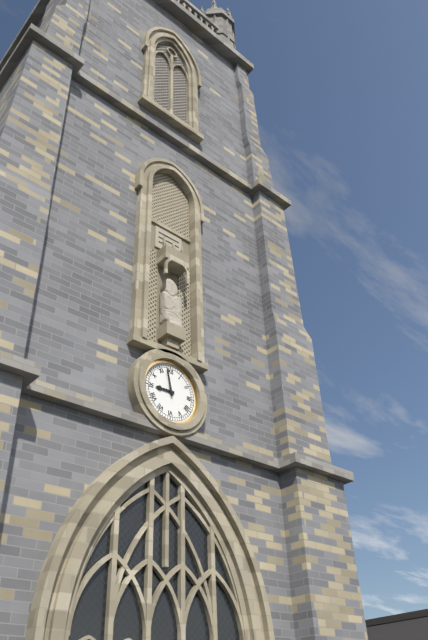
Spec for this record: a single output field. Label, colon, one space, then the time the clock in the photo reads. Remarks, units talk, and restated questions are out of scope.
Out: 8:58
